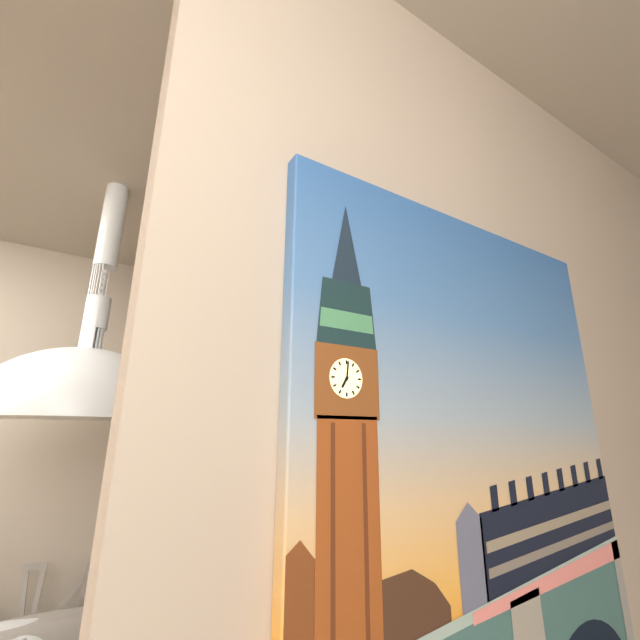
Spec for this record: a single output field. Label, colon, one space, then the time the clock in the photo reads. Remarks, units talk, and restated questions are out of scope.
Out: 7:01
